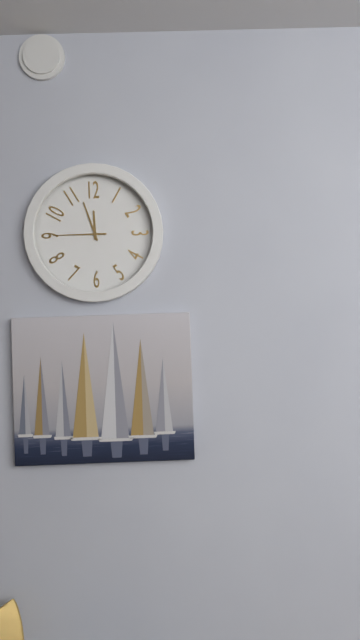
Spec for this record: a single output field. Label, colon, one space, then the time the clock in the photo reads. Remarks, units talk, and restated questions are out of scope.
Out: 11:57:45
